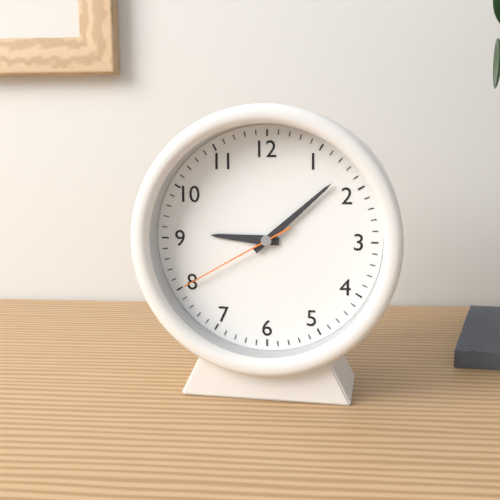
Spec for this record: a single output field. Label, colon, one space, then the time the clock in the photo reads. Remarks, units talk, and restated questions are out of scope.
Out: 9:08:40
